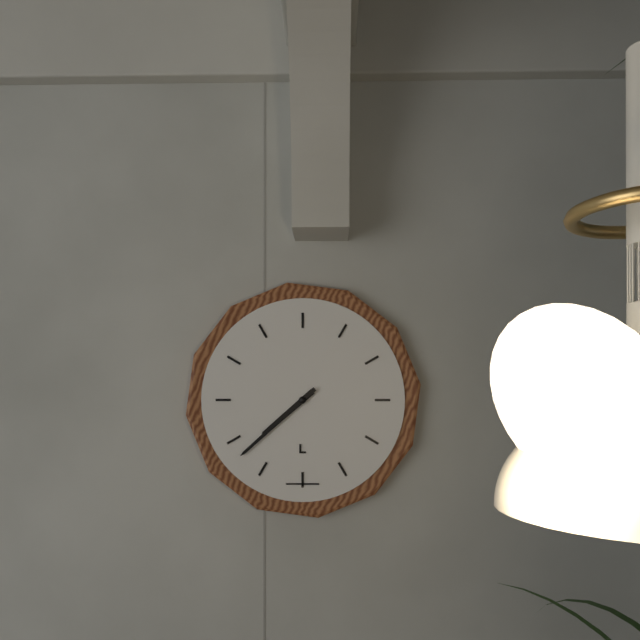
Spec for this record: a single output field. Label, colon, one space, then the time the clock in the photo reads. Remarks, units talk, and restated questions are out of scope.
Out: 7:38
